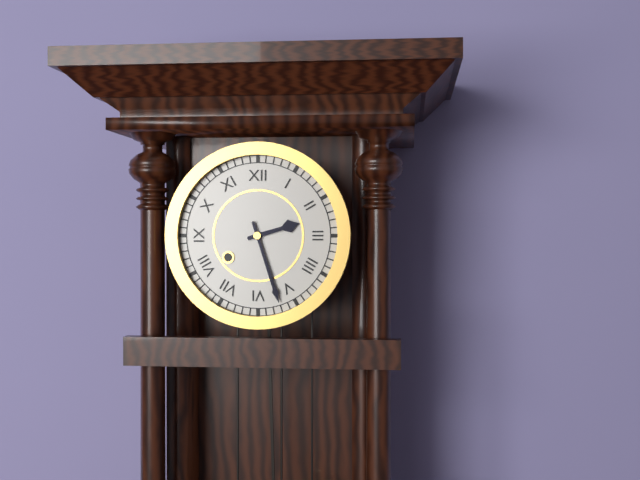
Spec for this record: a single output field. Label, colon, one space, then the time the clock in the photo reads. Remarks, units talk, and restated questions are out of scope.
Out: 2:27
